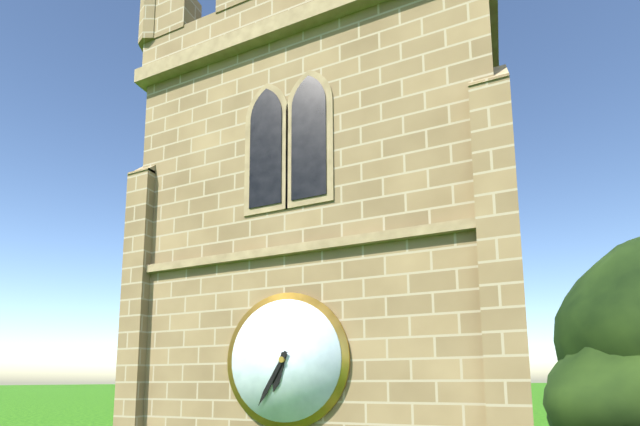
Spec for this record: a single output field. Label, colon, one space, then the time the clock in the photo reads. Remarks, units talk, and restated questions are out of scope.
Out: 6:35
